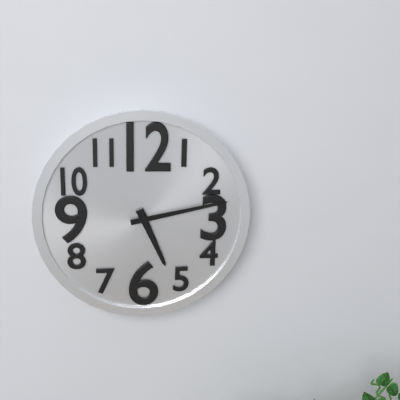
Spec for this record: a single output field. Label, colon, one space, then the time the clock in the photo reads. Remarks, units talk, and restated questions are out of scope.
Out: 5:13
